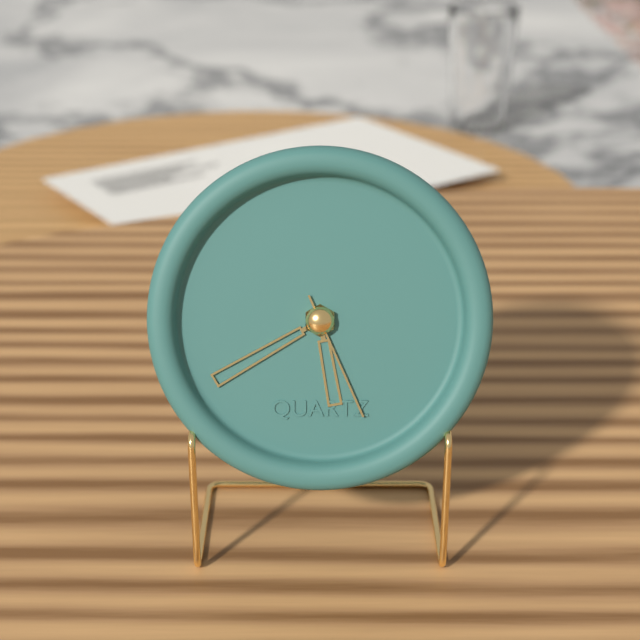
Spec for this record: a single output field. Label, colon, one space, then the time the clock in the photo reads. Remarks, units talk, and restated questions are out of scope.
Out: 5:40:26
